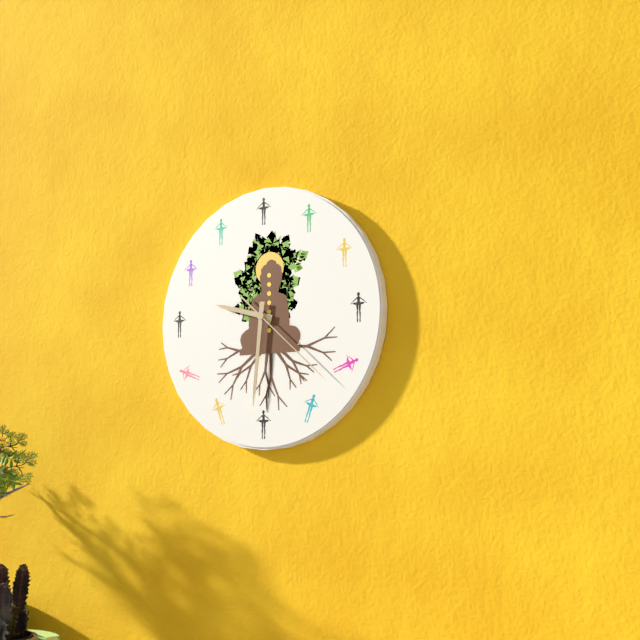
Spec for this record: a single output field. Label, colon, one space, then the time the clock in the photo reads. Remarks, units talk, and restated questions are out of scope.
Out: 9:31:22
